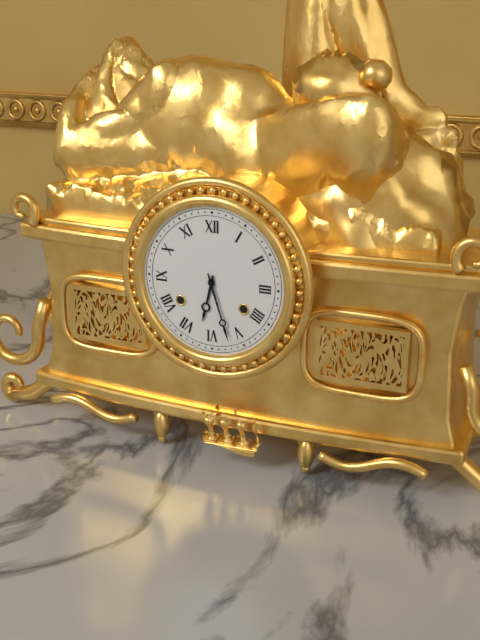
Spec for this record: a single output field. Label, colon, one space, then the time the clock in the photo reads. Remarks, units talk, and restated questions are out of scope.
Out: 6:27
